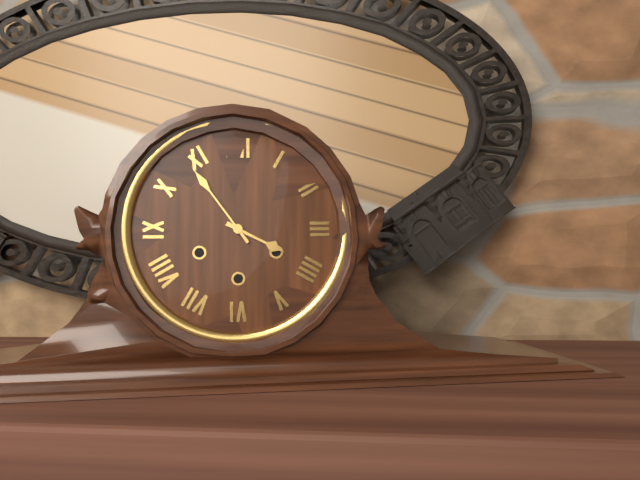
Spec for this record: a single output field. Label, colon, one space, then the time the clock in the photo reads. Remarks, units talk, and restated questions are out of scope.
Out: 3:54
